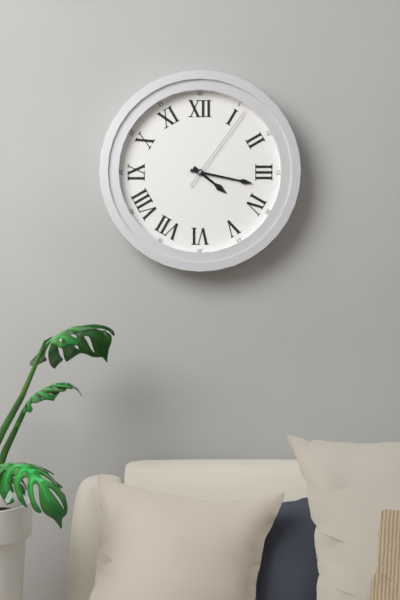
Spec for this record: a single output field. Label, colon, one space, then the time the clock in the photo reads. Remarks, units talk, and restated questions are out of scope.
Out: 4:17:06
